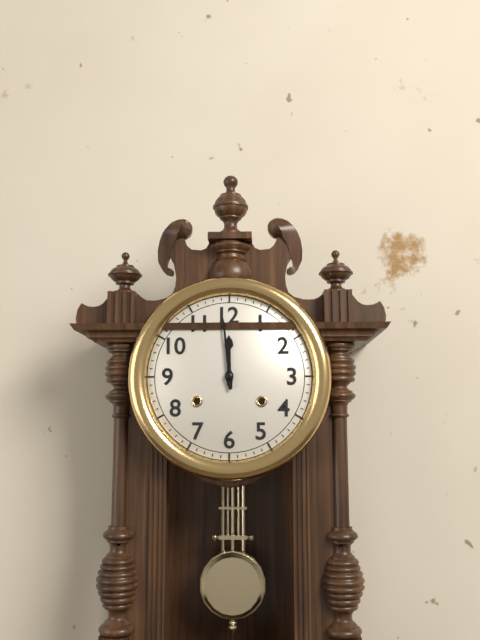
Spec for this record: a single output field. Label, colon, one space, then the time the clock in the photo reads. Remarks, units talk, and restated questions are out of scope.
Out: 11:59
